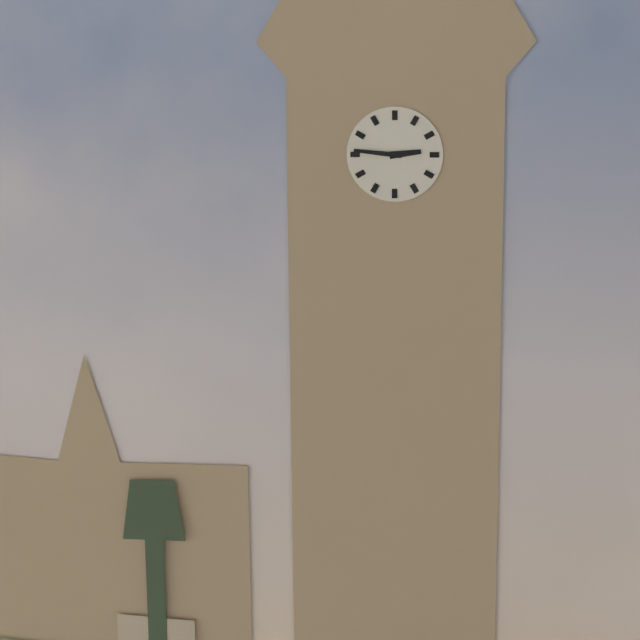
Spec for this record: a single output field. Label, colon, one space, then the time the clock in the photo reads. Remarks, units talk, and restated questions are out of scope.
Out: 2:46
